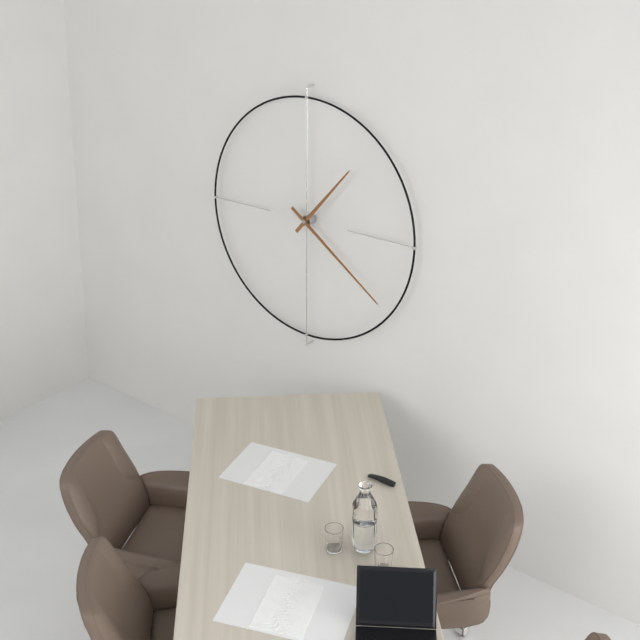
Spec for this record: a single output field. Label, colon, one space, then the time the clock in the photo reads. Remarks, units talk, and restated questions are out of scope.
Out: 1:21
